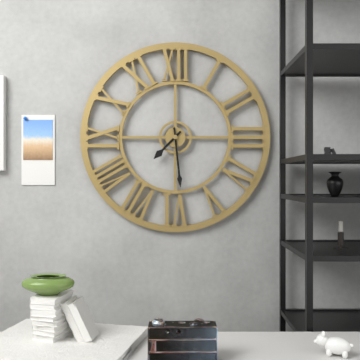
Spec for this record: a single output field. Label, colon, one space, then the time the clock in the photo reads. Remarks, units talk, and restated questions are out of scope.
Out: 7:29
